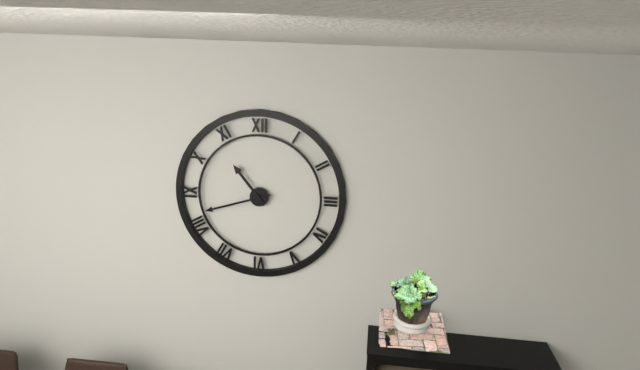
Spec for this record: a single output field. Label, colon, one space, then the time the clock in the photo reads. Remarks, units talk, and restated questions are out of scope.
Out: 10:42
